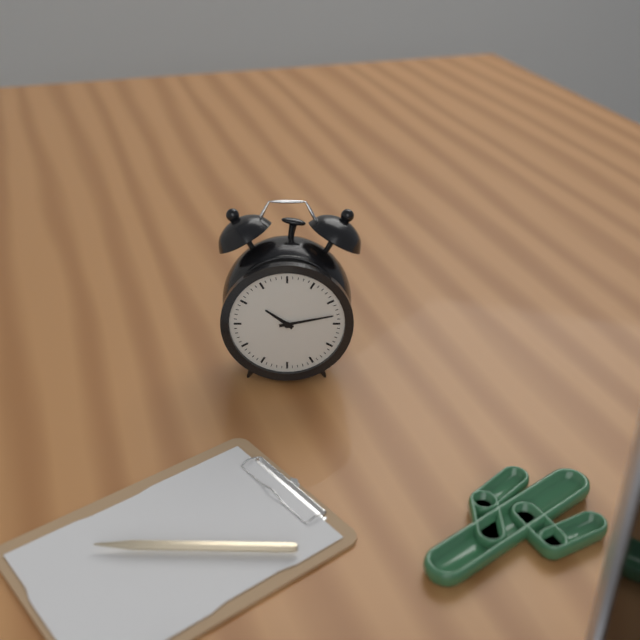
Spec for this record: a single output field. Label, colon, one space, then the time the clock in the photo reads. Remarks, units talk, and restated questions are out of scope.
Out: 10:13
